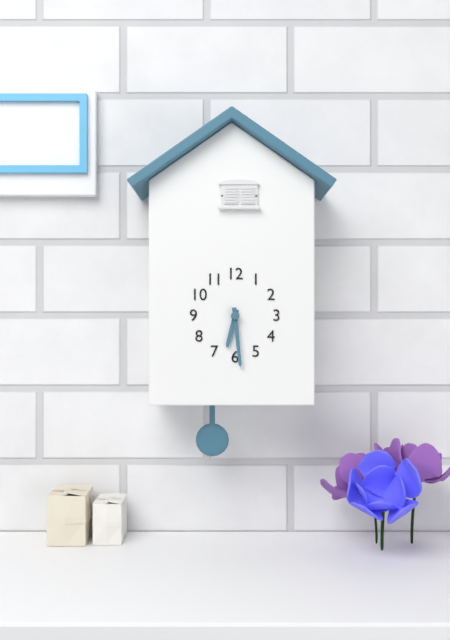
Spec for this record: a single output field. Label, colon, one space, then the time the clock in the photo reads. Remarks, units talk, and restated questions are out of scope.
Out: 6:29
